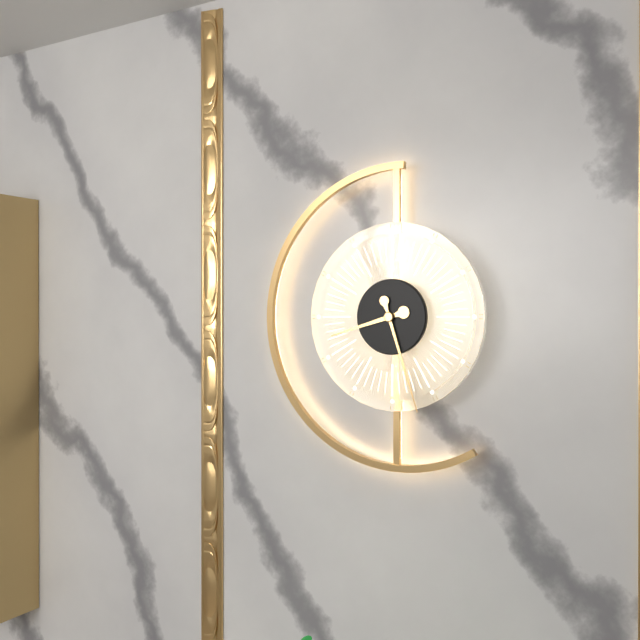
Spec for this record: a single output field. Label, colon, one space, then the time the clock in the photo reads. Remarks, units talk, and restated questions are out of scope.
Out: 8:27
